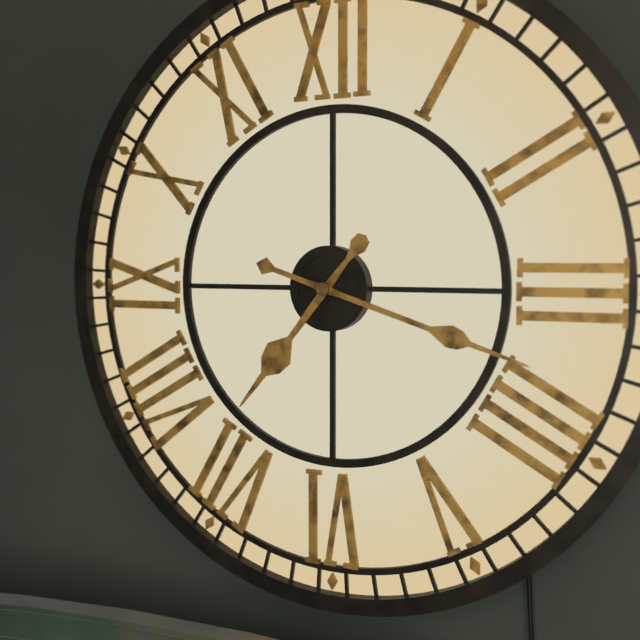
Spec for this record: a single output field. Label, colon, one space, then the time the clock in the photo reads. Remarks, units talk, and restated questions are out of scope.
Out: 7:18
